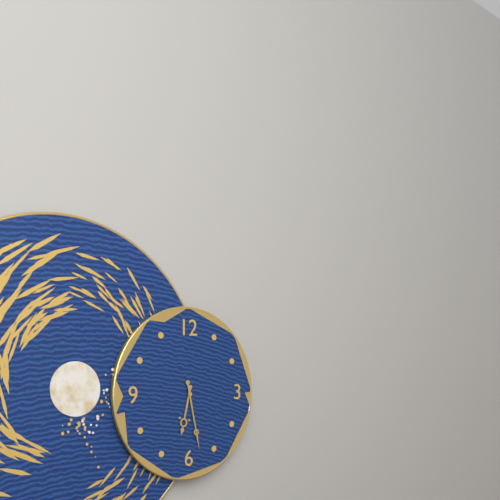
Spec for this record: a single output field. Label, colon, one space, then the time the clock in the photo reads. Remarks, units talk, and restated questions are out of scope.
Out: 6:28
